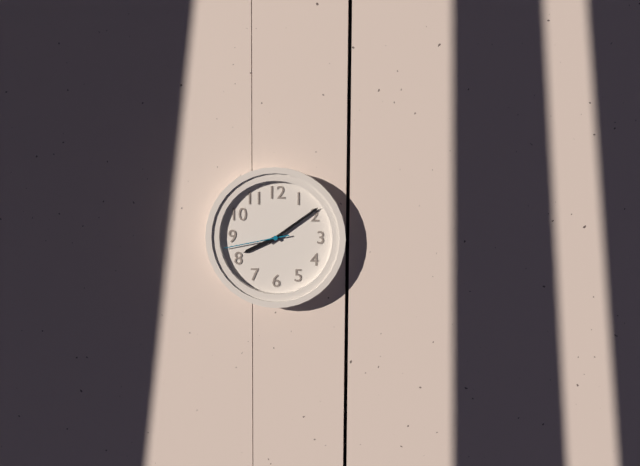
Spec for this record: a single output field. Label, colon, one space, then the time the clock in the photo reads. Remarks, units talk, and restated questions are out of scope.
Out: 8:09:43
